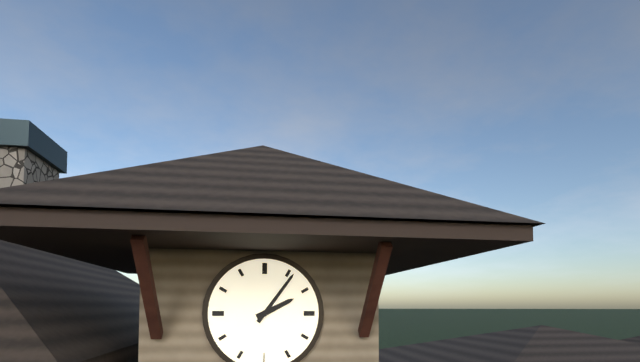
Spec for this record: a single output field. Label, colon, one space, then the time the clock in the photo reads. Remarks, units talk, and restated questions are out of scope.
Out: 2:06
